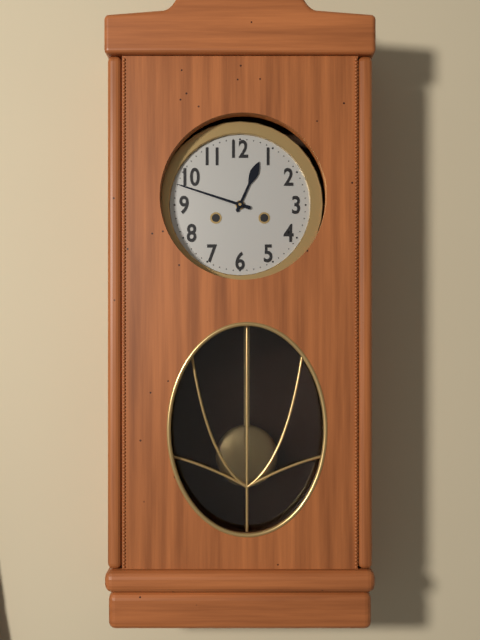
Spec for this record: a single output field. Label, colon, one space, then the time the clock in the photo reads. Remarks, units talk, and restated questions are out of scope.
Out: 12:48
